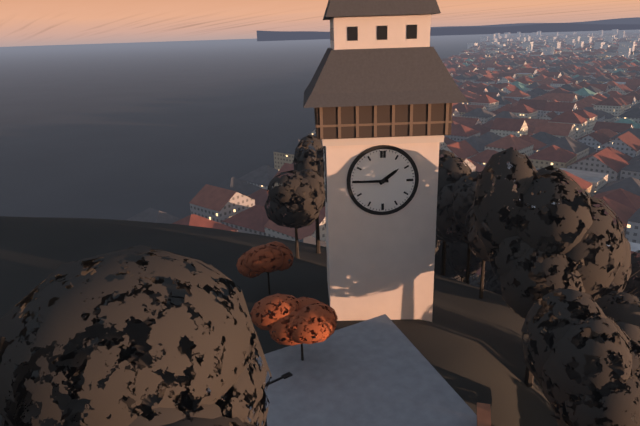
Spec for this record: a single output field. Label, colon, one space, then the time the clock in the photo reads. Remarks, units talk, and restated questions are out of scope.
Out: 1:45
